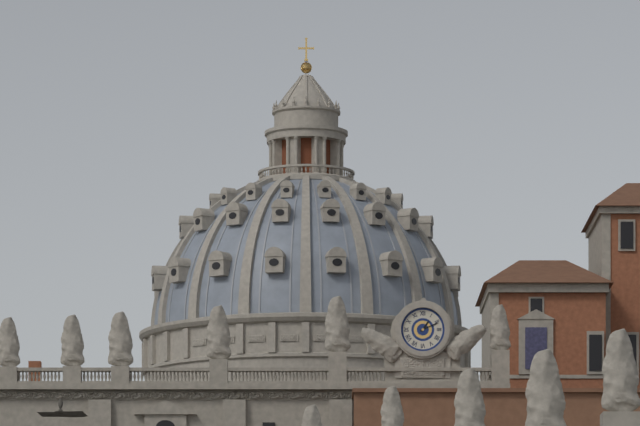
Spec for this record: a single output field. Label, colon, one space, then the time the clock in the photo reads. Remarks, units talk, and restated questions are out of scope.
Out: 1:11
